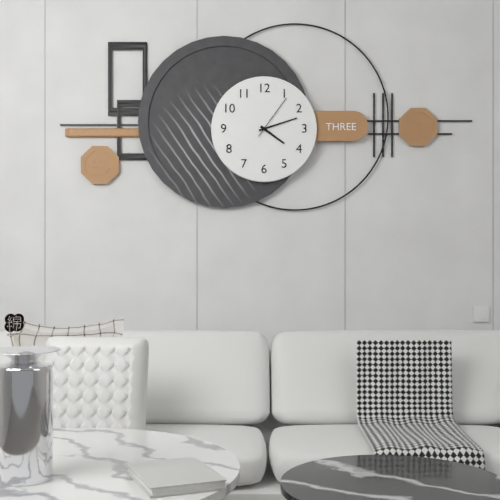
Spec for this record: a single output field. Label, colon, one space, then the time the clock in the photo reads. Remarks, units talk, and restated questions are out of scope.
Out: 4:12
